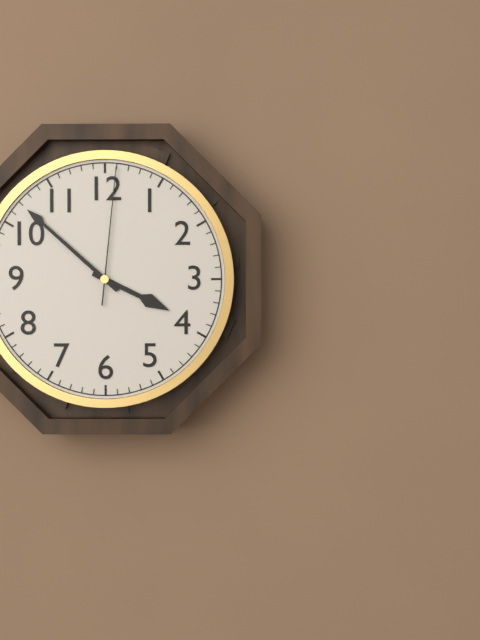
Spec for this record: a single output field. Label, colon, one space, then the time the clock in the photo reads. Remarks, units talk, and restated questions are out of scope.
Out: 3:52:01
